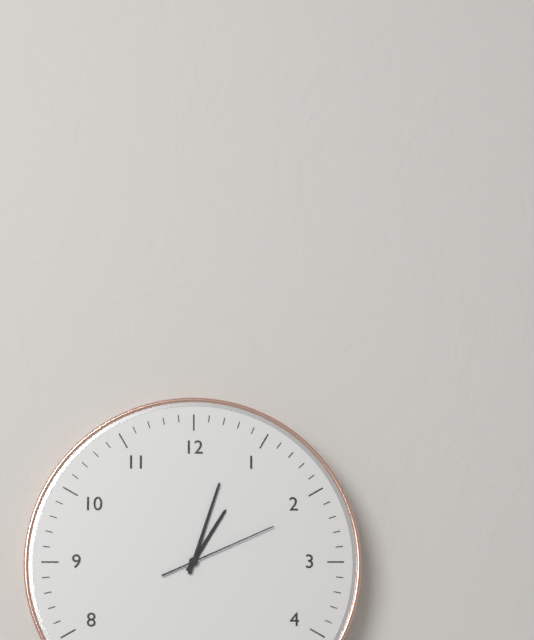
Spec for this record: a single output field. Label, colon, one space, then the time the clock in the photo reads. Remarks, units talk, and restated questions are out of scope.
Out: 1:03:11
